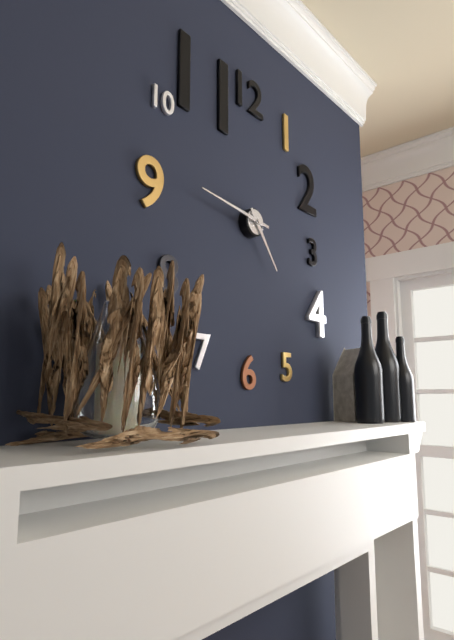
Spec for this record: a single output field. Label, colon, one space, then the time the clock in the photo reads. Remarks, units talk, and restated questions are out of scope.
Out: 4:46
